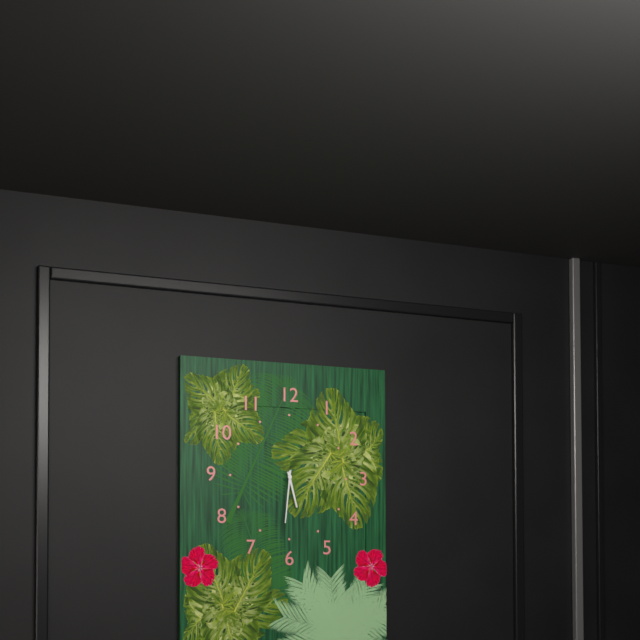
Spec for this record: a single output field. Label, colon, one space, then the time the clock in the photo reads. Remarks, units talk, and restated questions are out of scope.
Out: 5:31
